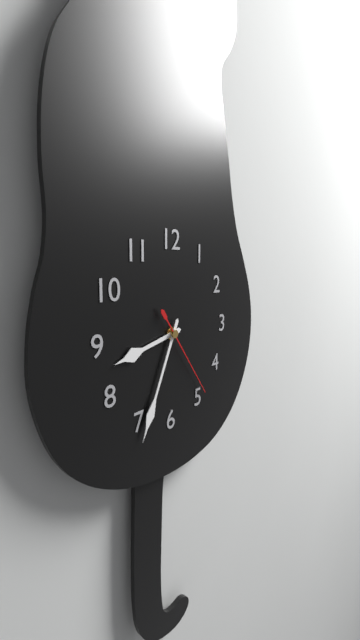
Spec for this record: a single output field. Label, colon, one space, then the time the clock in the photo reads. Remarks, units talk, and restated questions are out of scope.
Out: 8:34:24
